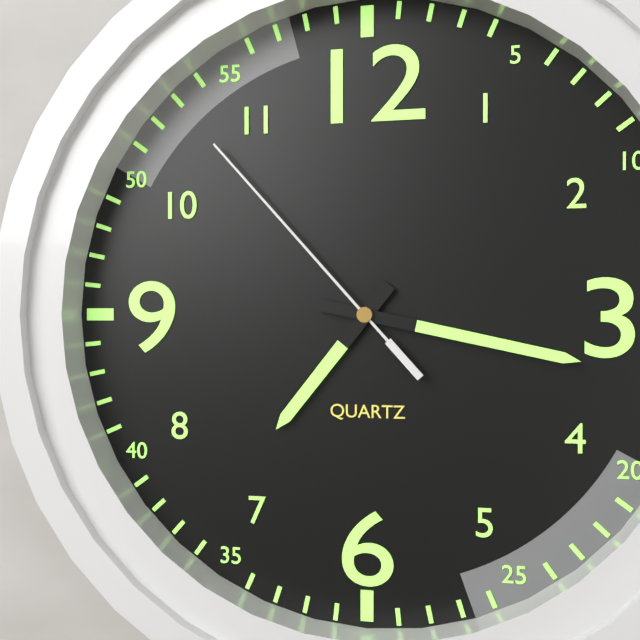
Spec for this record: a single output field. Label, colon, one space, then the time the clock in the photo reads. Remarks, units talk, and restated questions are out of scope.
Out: 7:17:53
